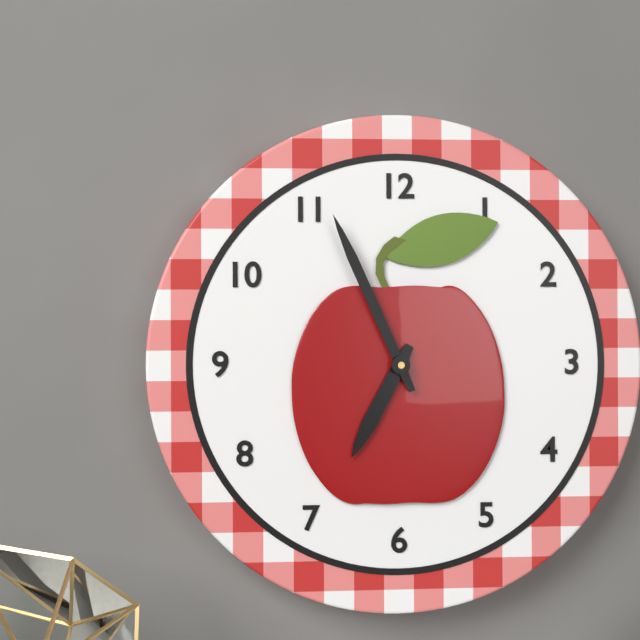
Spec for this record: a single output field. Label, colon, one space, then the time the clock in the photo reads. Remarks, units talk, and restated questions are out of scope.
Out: 6:56
